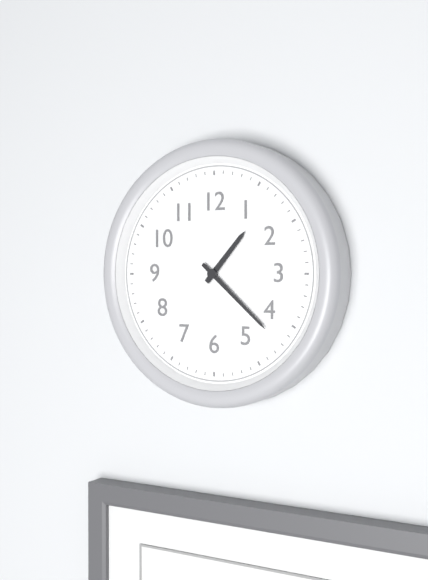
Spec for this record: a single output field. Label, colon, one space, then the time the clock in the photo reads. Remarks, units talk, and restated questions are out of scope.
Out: 1:22
